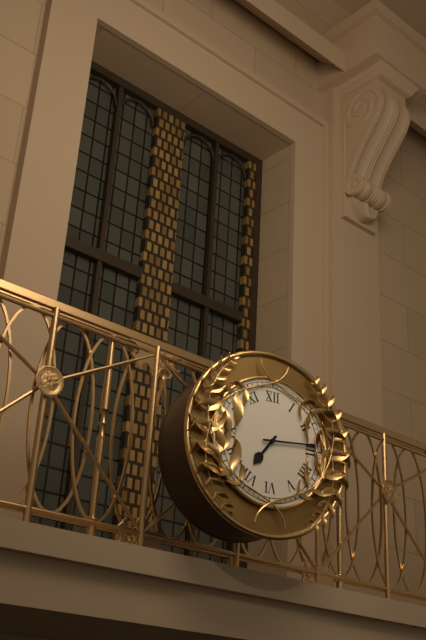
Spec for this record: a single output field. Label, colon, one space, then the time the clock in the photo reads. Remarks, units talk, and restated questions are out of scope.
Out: 7:14
